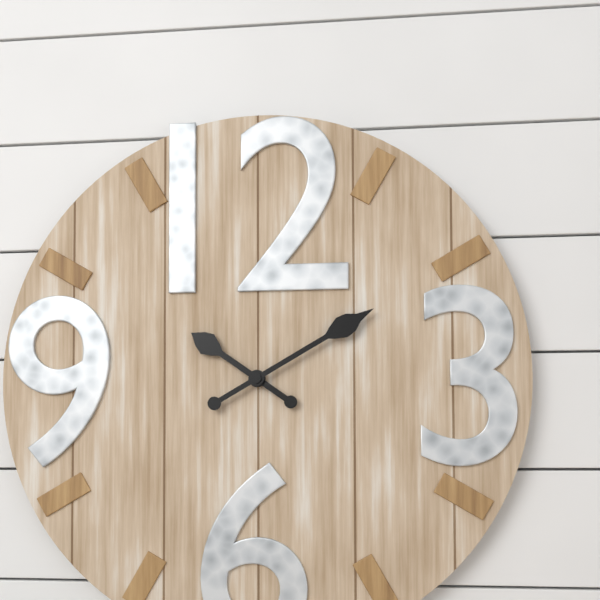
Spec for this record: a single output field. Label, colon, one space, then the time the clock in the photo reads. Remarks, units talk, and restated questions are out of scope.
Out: 10:10
